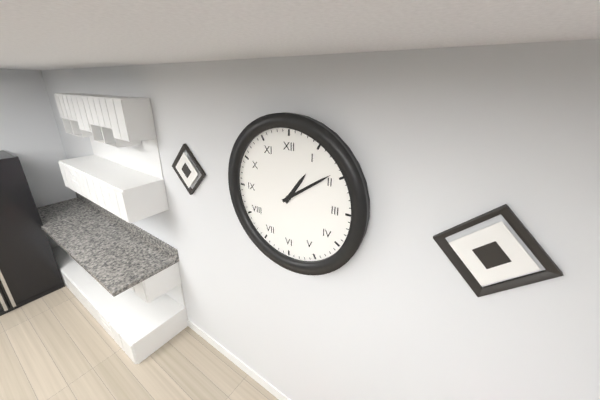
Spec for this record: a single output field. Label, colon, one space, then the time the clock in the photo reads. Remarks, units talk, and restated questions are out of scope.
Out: 1:09
